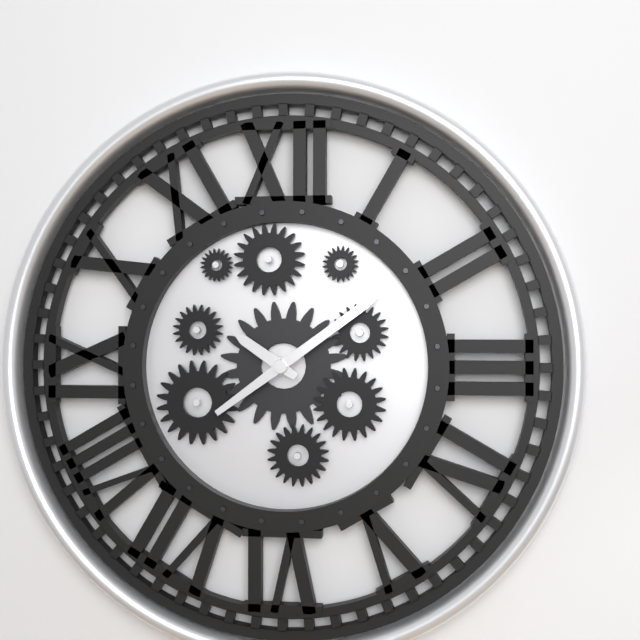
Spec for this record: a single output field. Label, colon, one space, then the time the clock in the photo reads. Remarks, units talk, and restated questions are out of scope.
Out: 10:09
